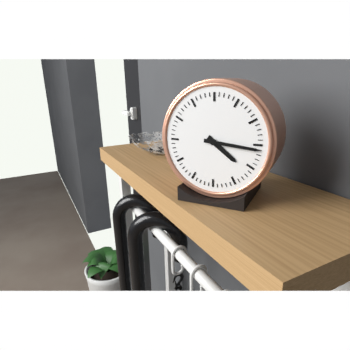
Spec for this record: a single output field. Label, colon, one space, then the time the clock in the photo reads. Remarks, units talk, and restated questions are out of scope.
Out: 4:16
